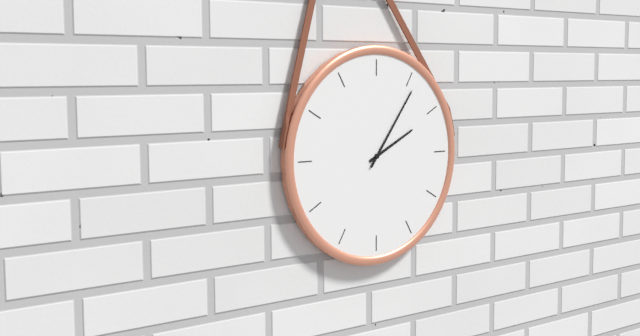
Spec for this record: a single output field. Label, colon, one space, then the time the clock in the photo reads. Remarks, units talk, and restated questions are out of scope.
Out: 2:06
